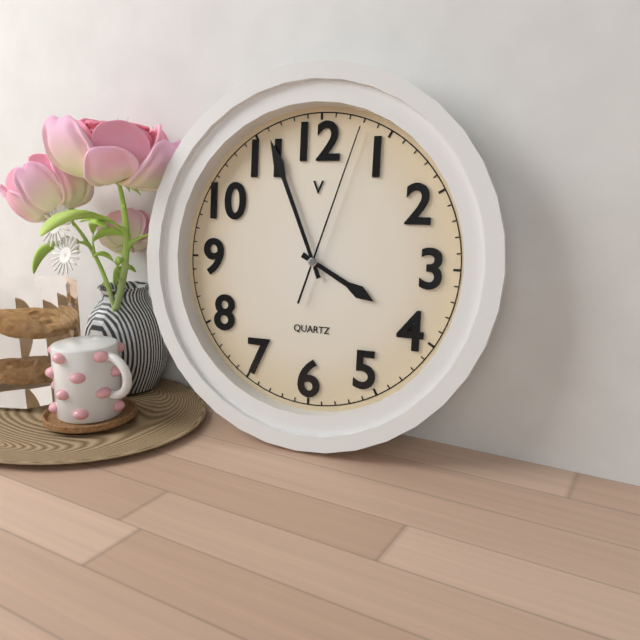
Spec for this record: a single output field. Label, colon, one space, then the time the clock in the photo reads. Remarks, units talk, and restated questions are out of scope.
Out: 3:56:03
